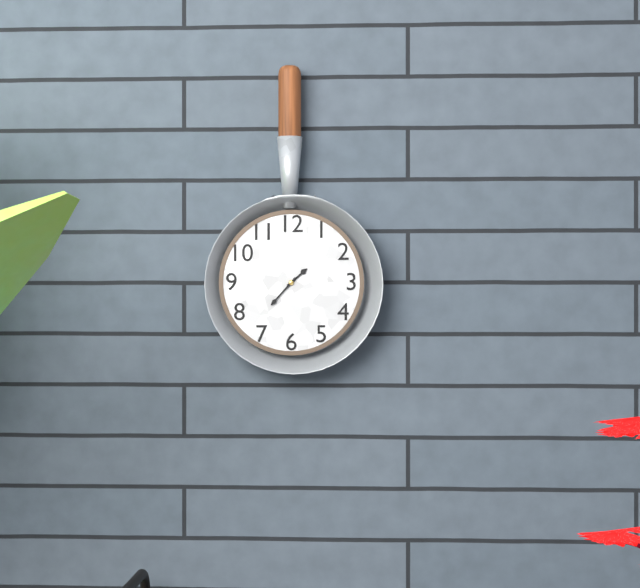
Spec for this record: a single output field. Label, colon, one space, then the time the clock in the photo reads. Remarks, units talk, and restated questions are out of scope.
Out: 1:37
